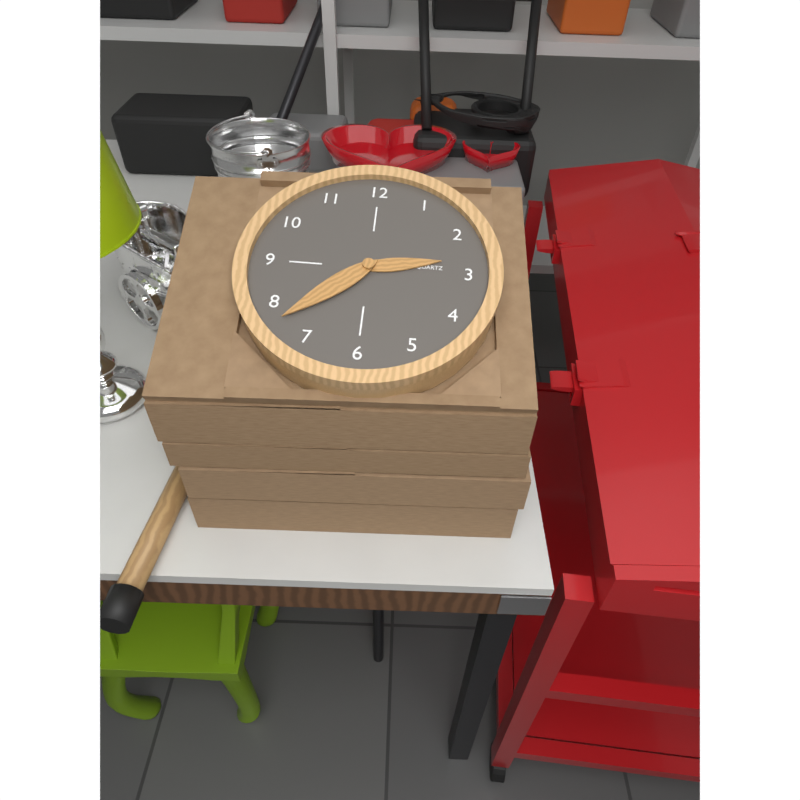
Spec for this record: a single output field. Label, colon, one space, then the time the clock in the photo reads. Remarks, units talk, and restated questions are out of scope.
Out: 2:38
